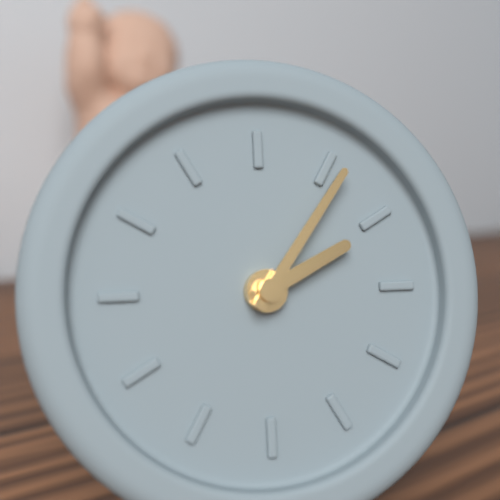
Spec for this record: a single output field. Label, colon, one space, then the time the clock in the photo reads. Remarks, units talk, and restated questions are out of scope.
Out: 2:06
